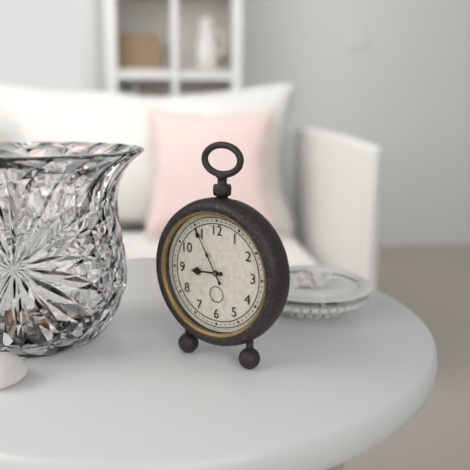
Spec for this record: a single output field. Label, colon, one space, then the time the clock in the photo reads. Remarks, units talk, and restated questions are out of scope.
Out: 8:55
